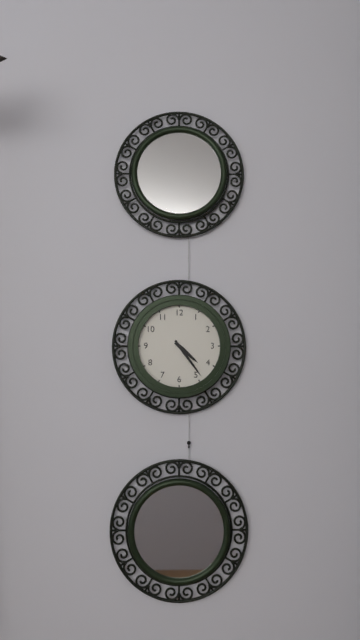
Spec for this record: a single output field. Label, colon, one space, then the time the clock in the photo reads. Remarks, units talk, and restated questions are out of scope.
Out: 4:24
